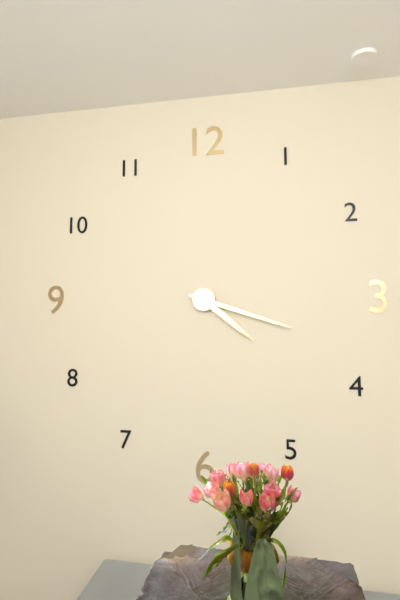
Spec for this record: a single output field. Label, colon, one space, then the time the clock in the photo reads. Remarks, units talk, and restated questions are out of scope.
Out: 4:18
